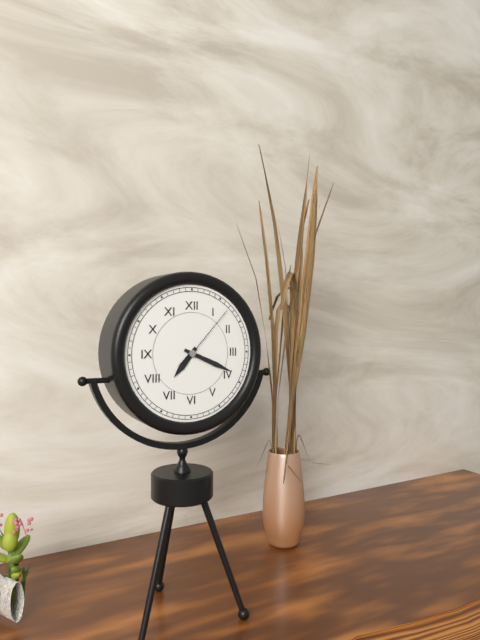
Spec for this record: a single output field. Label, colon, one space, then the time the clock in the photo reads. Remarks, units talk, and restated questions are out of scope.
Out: 7:19:07
